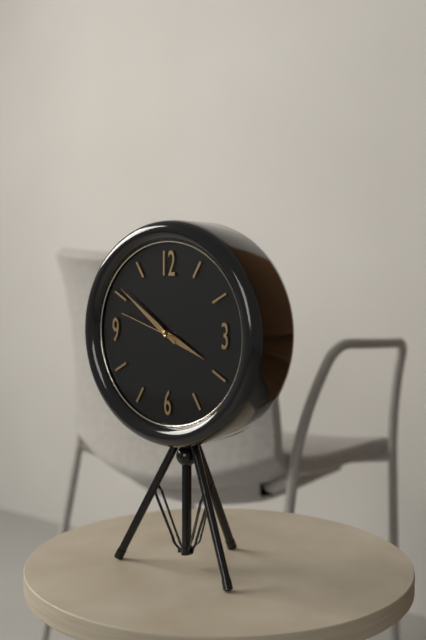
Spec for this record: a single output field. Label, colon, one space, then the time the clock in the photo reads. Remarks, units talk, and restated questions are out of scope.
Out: 3:51:48
